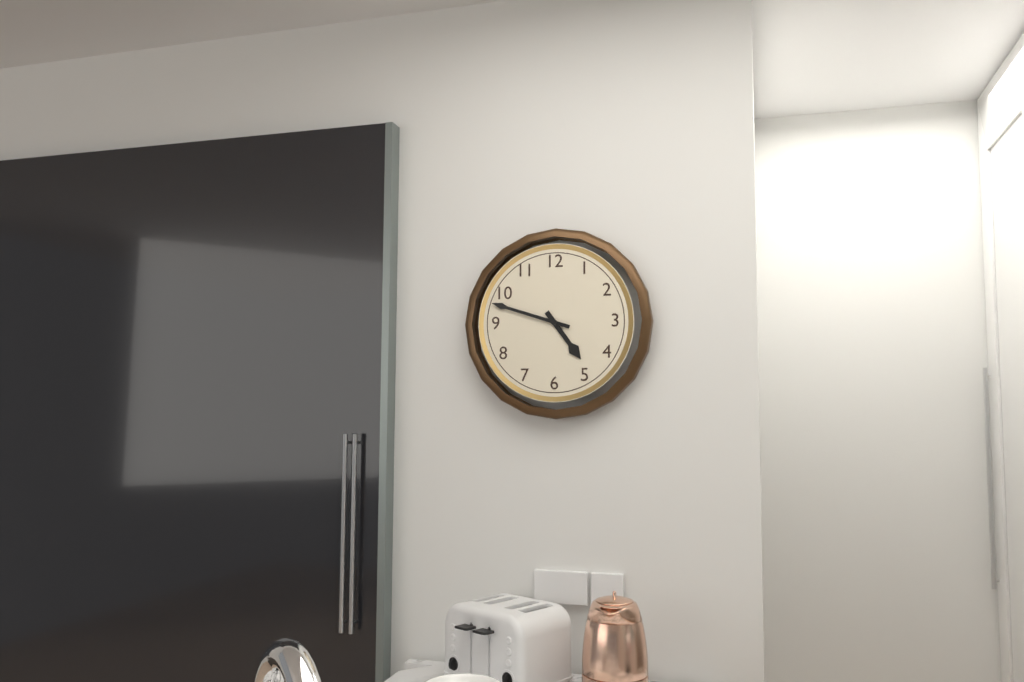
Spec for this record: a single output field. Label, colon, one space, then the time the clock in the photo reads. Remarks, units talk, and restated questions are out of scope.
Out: 4:48
